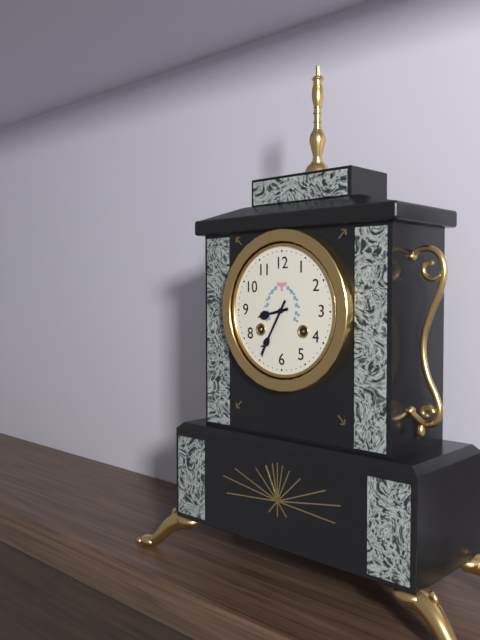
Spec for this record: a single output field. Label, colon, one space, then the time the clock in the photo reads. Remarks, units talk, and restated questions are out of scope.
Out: 8:35
